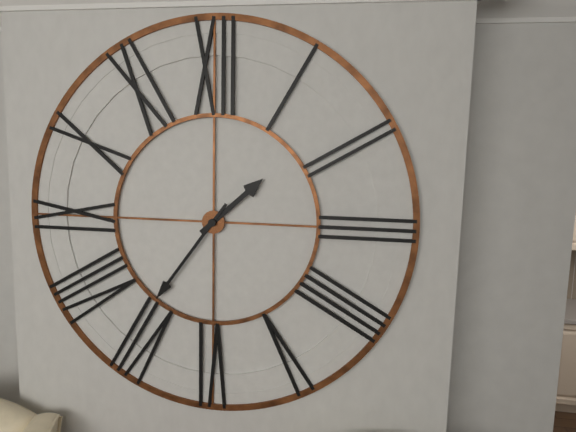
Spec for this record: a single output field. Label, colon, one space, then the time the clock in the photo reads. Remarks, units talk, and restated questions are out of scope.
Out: 1:36
